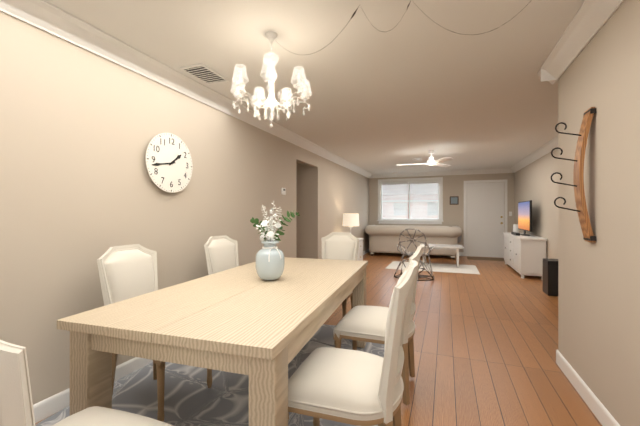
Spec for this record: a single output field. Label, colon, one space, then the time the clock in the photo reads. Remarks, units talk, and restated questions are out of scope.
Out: 1:43
